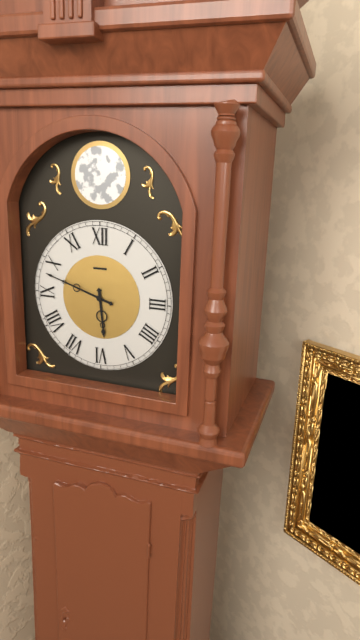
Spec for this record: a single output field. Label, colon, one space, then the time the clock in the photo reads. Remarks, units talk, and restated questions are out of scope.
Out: 5:48
